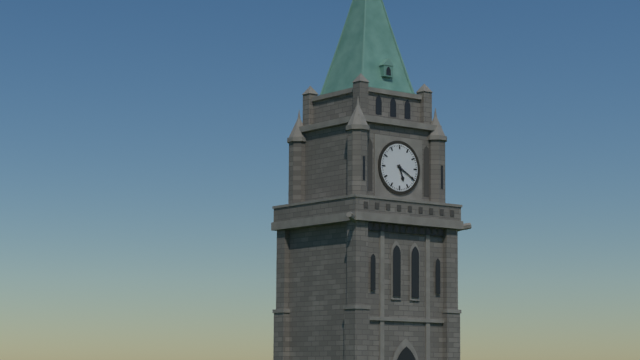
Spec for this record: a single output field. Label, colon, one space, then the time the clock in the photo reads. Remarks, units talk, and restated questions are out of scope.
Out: 5:20
